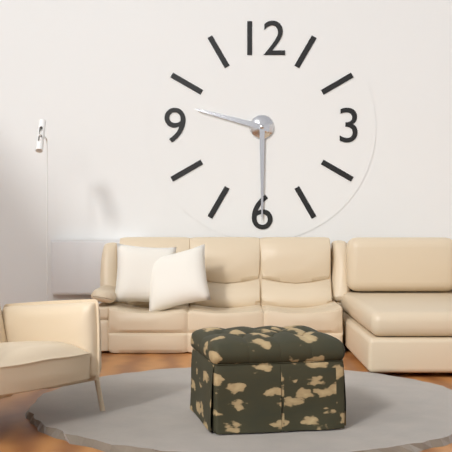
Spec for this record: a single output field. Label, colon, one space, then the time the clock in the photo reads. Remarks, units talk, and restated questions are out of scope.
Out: 9:30
